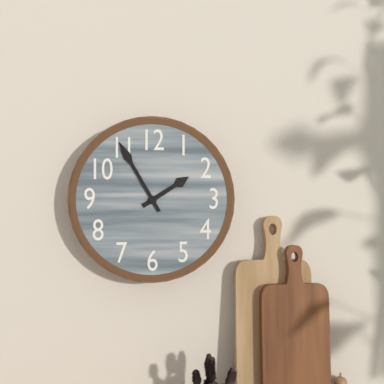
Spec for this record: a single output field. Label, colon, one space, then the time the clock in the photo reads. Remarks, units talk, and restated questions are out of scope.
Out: 1:55
